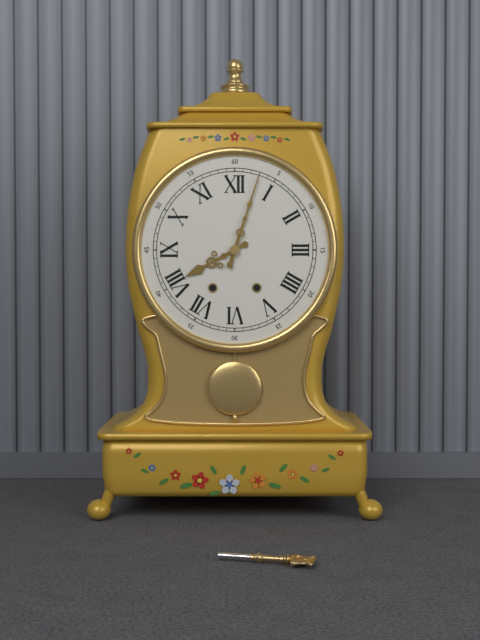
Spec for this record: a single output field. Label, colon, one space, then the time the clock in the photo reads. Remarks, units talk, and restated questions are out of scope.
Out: 8:03
